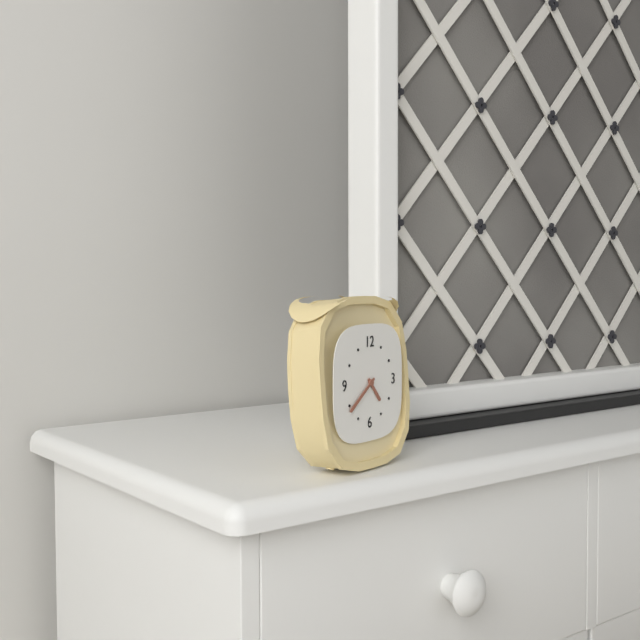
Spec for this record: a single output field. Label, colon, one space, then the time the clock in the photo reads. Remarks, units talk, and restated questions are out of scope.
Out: 4:39
